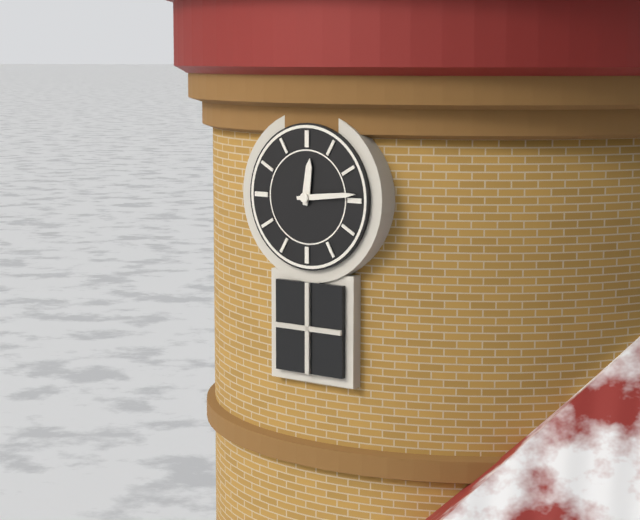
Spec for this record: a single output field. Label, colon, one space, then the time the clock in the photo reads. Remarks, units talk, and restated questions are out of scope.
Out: 12:14
